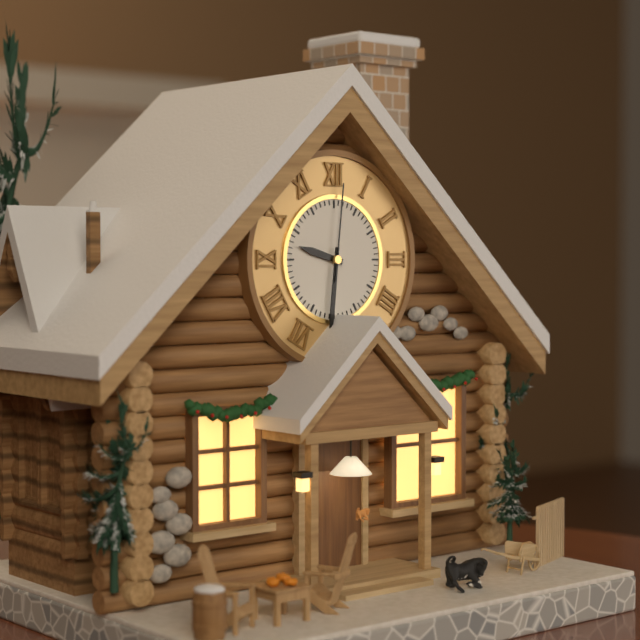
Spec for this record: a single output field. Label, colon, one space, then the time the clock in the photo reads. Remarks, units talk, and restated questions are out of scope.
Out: 9:31:01
